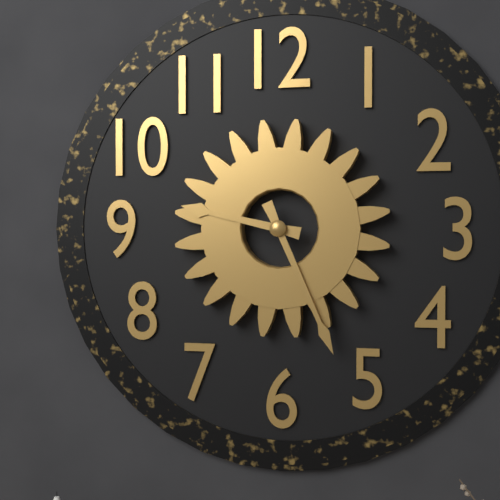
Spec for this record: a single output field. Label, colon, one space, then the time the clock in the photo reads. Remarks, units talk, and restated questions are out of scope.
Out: 9:26
